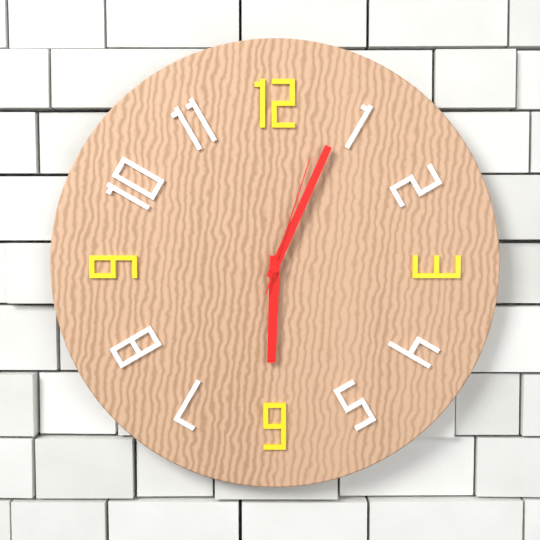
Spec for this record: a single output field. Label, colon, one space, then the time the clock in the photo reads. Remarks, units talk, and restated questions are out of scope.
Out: 6:04:03
